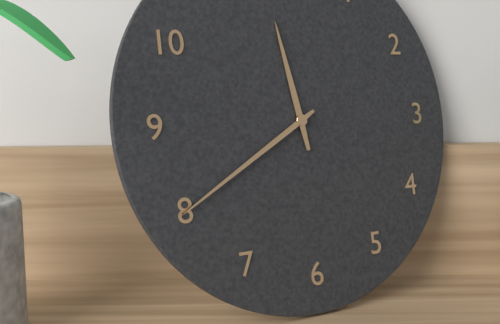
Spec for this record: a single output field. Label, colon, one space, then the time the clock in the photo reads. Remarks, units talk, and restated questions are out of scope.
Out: 11:40
